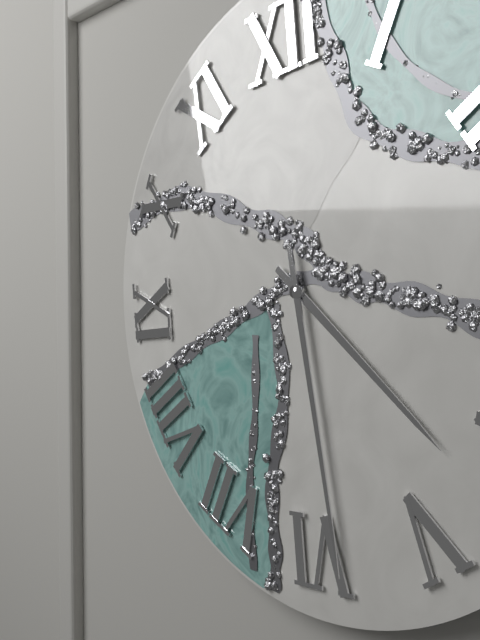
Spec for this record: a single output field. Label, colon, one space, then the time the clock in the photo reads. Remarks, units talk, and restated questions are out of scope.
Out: 4:29
